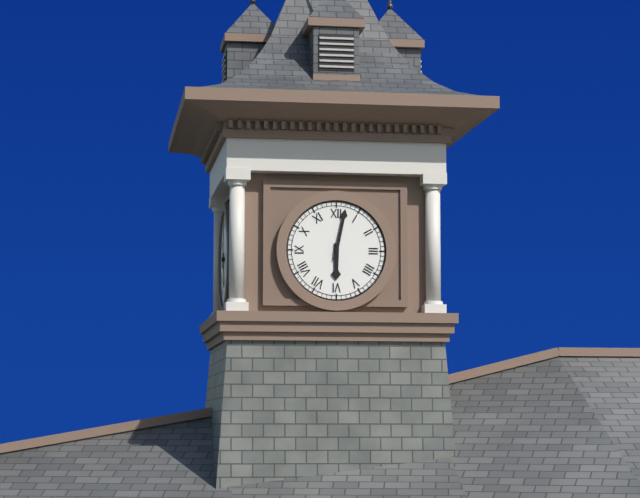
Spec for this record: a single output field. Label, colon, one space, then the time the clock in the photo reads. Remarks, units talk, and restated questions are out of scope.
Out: 6:02
